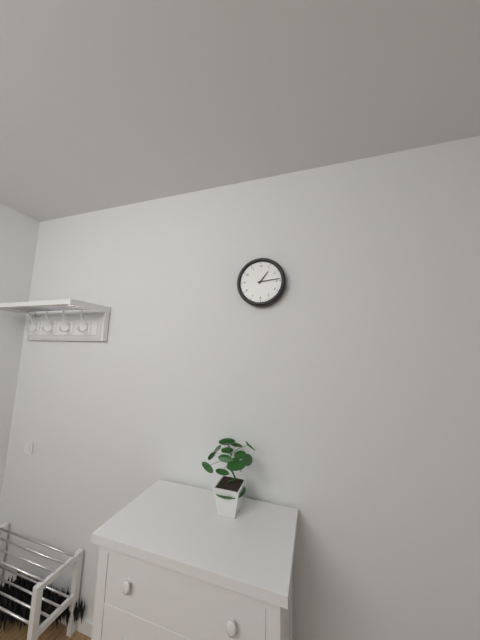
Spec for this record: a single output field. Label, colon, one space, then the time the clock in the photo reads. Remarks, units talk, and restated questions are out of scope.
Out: 1:14
